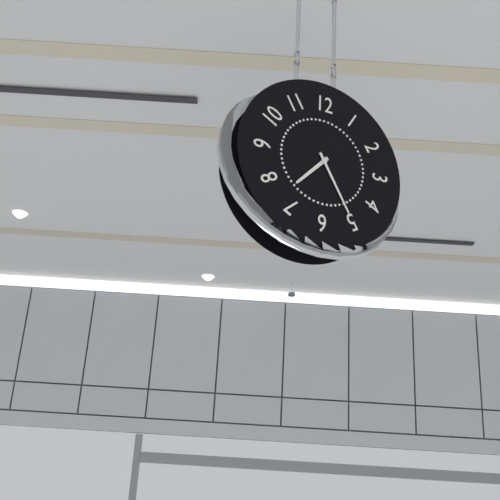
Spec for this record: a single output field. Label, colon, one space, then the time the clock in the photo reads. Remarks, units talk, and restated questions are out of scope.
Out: 7:25
